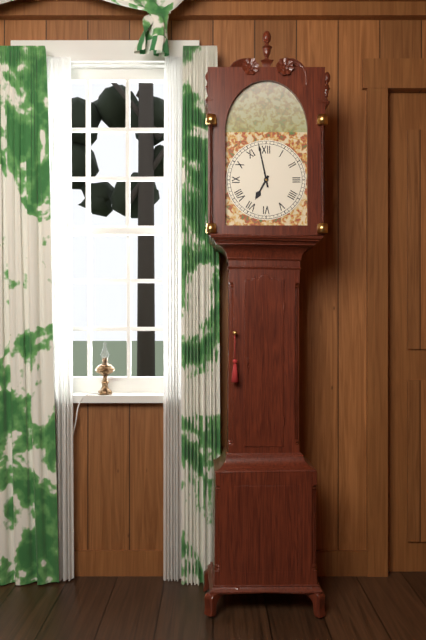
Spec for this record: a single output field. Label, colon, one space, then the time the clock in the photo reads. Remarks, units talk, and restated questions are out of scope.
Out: 6:58
